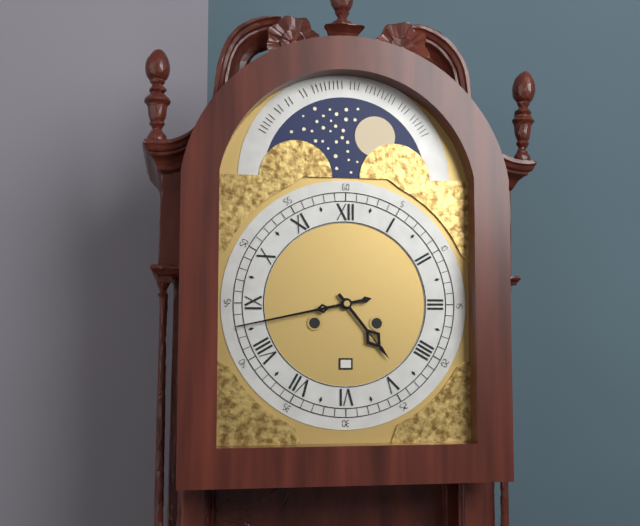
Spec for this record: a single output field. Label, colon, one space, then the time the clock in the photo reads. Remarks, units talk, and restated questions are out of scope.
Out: 4:43
